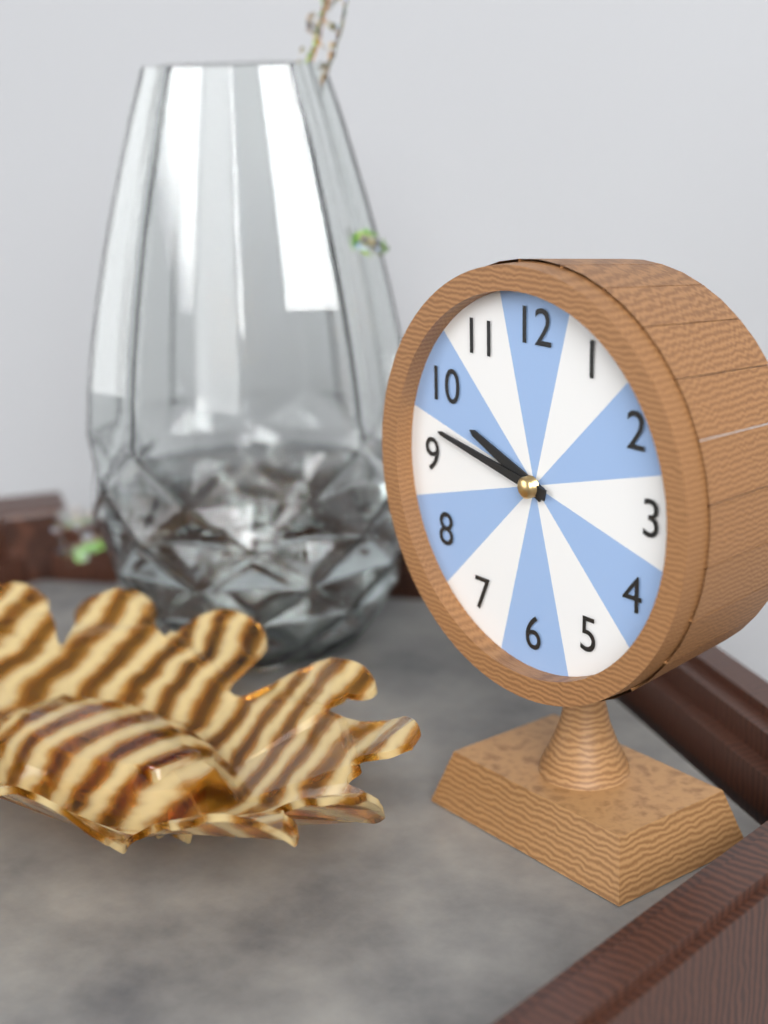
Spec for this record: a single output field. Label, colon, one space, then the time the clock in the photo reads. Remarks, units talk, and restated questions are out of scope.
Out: 9:47
